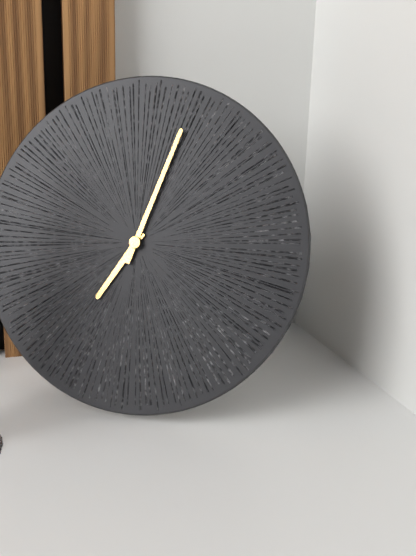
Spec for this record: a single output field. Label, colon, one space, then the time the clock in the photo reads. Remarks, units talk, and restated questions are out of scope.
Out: 7:03
